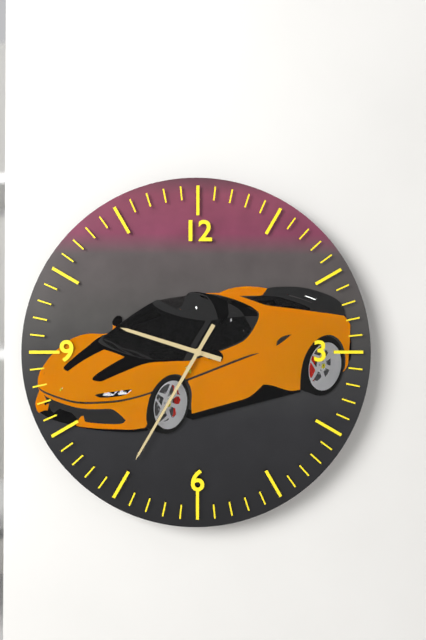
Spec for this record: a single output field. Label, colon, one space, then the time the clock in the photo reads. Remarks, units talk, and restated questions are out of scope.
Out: 9:35
